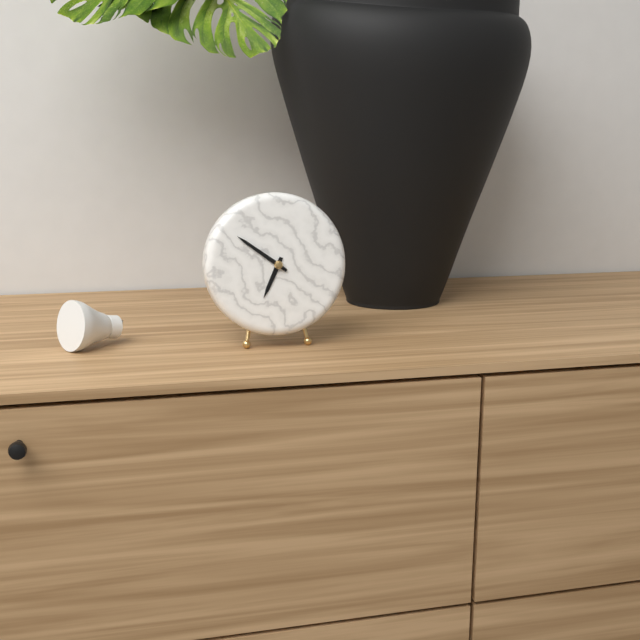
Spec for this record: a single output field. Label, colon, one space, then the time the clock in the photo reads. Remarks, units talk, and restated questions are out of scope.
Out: 6:51
